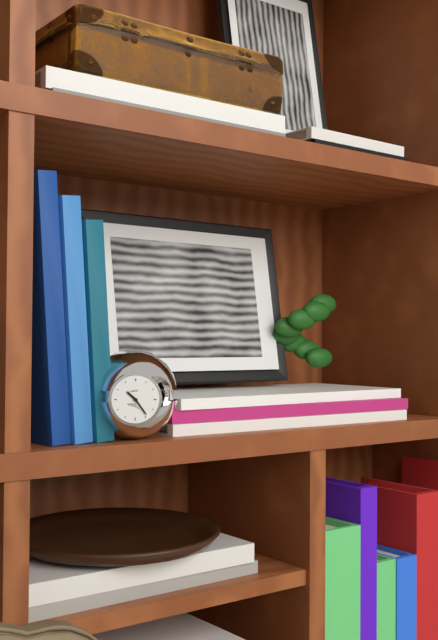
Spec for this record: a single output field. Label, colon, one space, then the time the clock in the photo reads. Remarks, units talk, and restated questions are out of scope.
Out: 10:24
